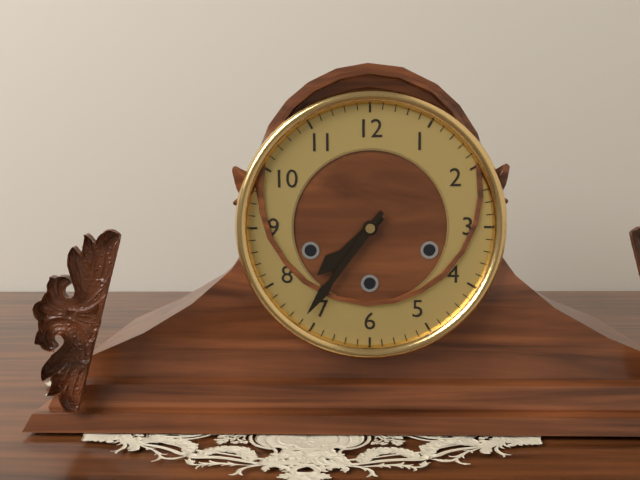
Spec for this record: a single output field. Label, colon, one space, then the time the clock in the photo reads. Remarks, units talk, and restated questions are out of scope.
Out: 7:36
